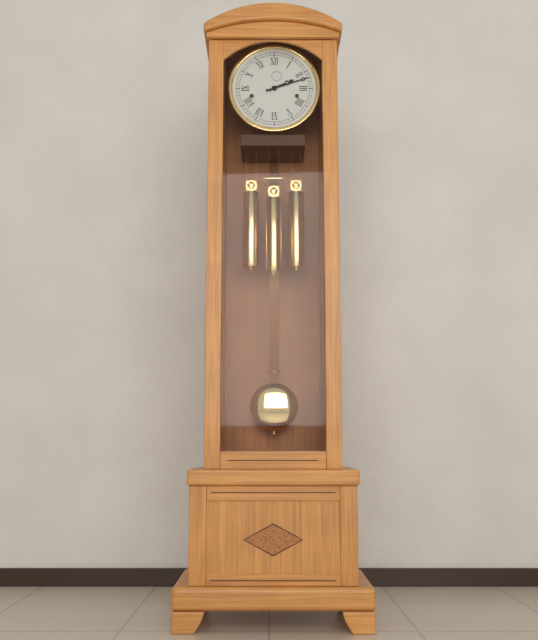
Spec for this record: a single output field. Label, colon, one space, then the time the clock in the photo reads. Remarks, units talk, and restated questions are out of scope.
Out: 2:12
